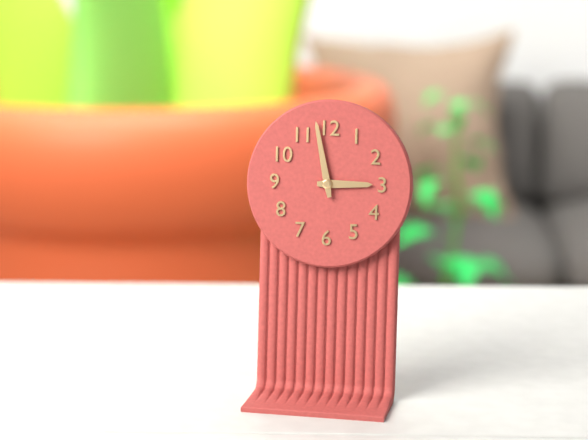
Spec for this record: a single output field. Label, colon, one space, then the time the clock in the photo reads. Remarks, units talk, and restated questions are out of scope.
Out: 2:58
